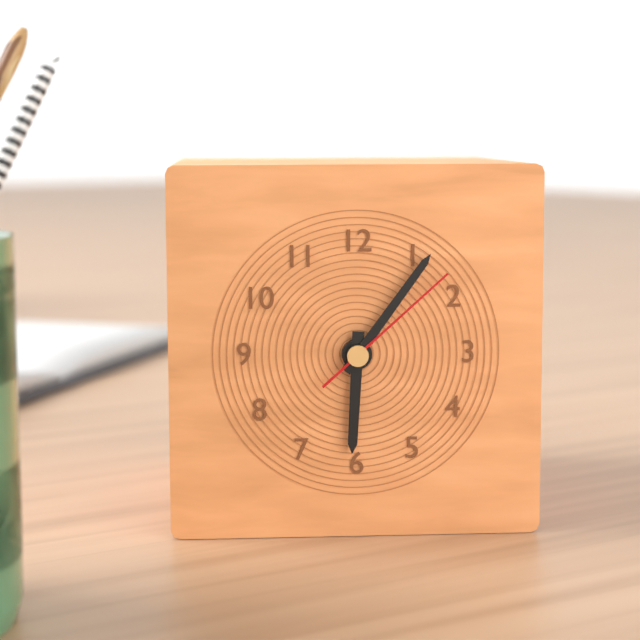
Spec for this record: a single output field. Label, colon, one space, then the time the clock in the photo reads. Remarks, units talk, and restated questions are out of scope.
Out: 6:06:08
